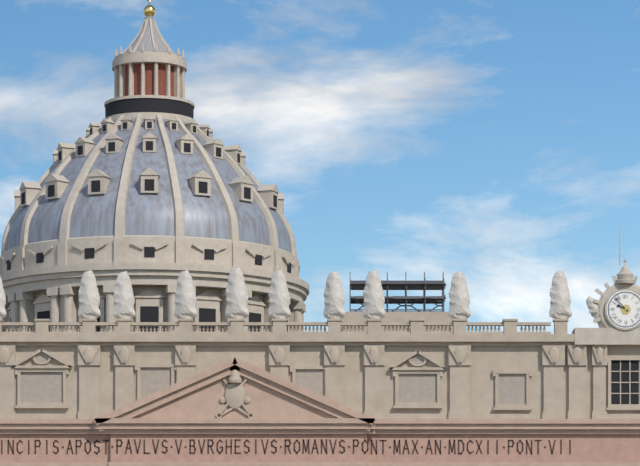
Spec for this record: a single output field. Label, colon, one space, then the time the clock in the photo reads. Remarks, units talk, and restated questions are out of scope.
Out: 9:53
